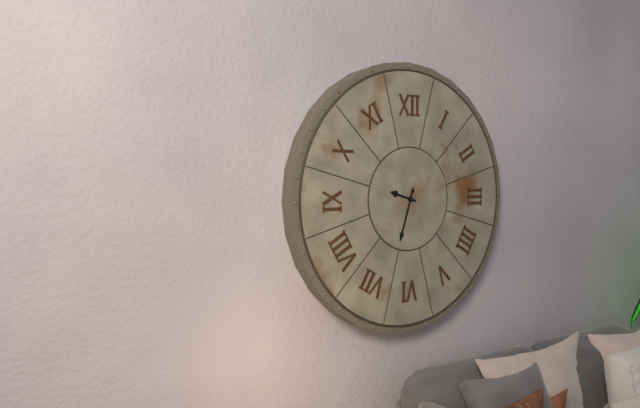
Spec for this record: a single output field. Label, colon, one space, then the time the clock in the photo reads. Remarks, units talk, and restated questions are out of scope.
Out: 9:33
